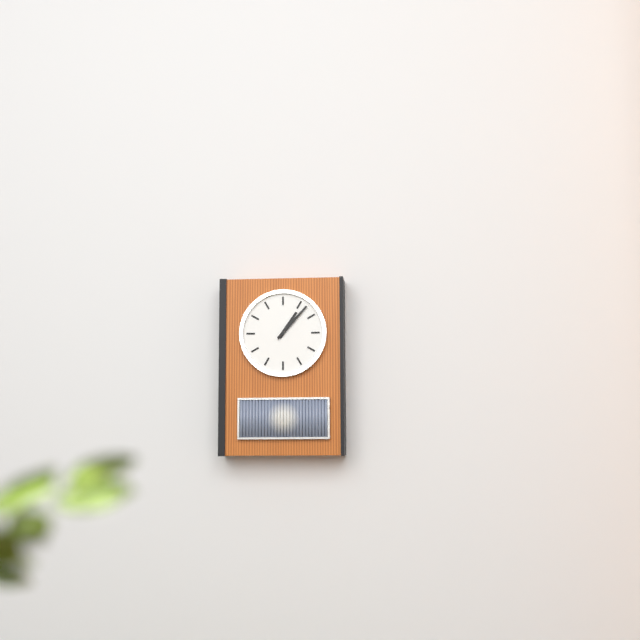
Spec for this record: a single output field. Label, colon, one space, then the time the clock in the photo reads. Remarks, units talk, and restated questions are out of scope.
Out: 1:07
